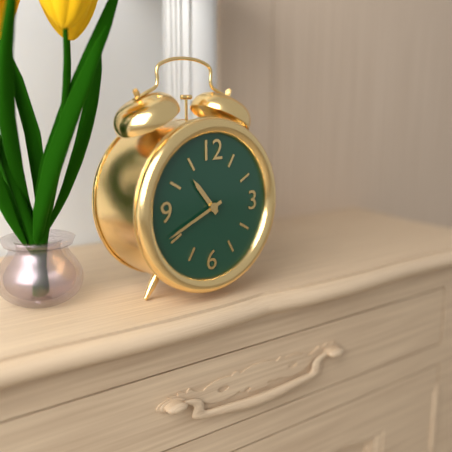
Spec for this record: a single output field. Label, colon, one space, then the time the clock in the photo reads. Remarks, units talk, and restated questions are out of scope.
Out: 10:41
